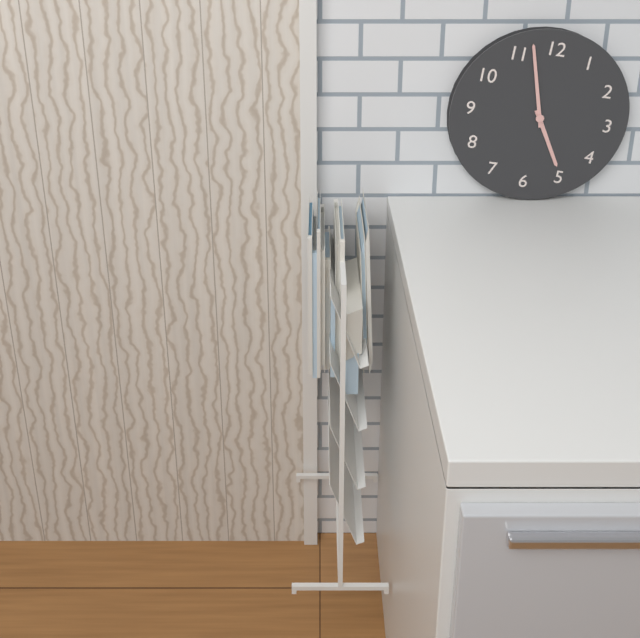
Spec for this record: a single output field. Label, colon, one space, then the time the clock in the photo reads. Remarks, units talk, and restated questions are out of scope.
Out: 4:57
